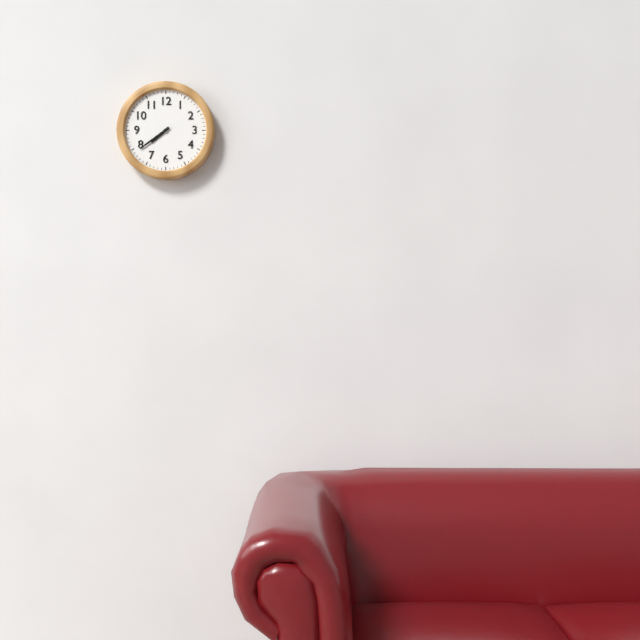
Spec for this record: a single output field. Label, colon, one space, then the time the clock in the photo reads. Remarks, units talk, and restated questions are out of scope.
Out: 7:39
